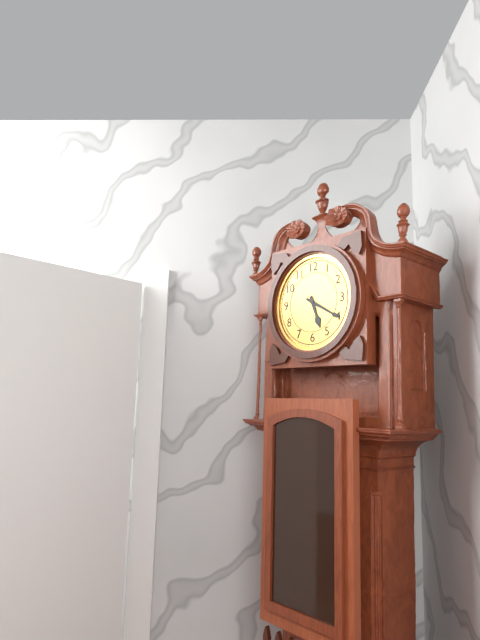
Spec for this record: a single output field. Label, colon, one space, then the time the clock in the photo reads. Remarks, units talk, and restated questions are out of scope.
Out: 5:20
